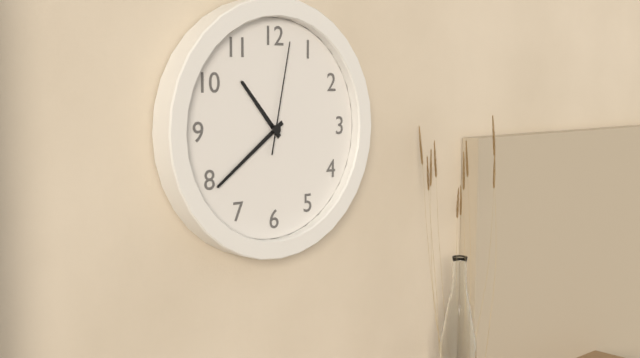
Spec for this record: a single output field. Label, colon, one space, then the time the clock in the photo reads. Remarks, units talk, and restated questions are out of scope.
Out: 10:39:02
